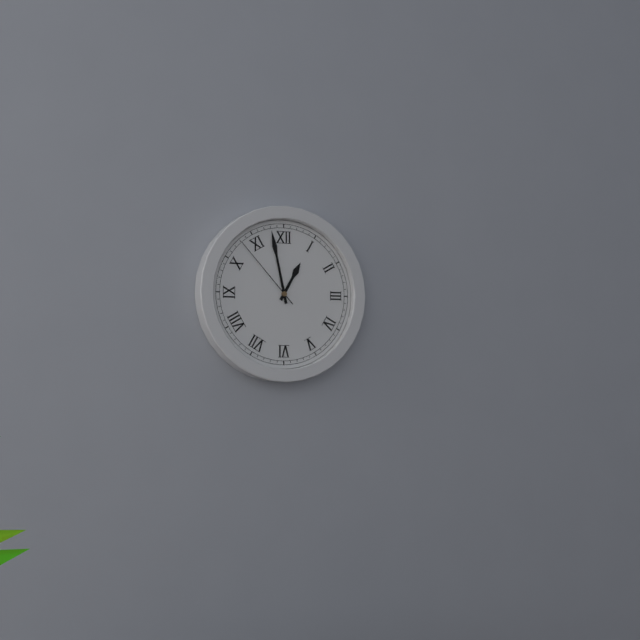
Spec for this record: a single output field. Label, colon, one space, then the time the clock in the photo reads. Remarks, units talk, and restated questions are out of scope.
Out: 12:58:53
